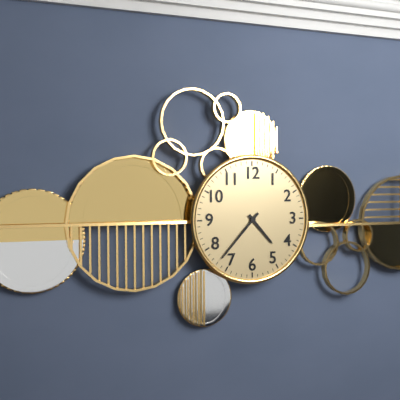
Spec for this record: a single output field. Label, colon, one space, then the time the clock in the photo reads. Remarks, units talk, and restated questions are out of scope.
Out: 4:37
